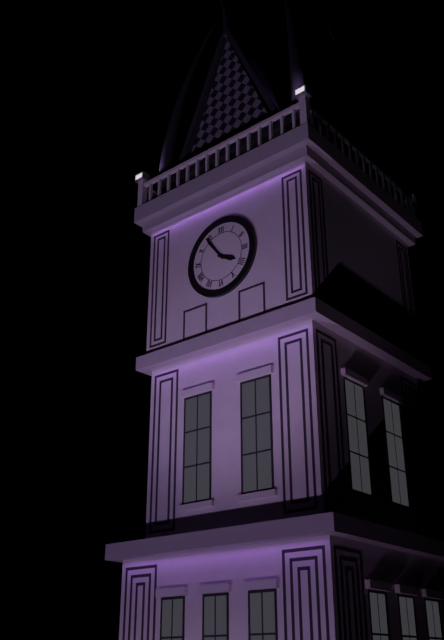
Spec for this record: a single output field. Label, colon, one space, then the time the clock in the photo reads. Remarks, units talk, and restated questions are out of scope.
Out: 3:54
